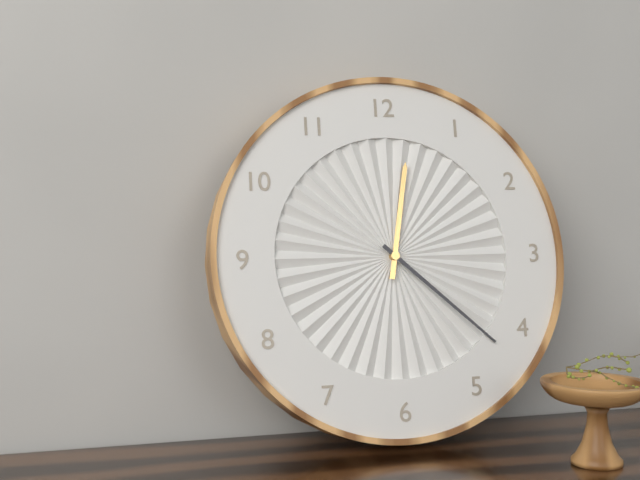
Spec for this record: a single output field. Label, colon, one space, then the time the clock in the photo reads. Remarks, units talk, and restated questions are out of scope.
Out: 12:22
